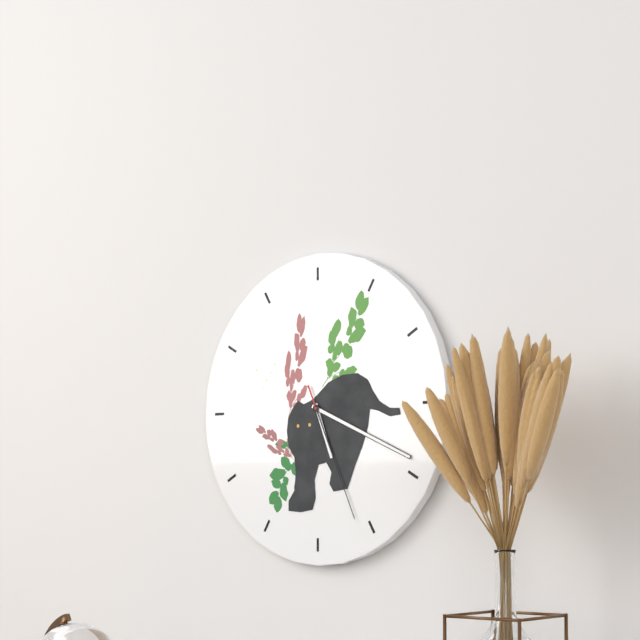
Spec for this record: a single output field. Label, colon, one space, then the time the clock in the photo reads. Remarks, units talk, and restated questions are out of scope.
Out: 5:19:26
